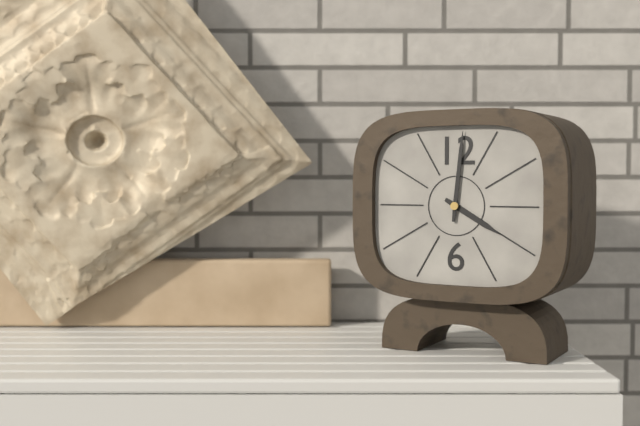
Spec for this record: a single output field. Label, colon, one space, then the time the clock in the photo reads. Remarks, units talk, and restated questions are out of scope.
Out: 4:01
